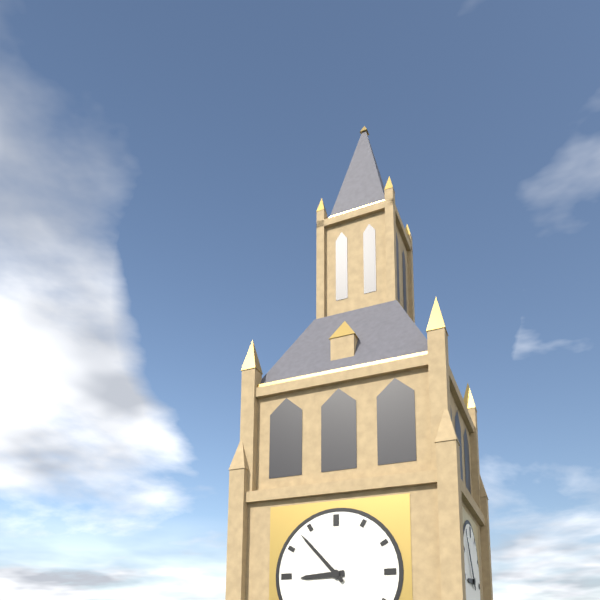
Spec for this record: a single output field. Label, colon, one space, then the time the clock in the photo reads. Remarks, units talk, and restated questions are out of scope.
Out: 8:53
